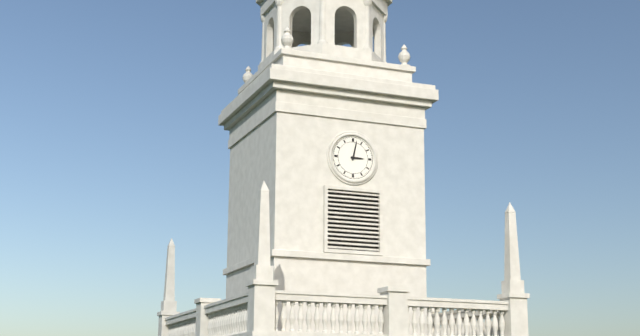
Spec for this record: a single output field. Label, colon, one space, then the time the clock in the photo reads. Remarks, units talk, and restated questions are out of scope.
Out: 3:02
